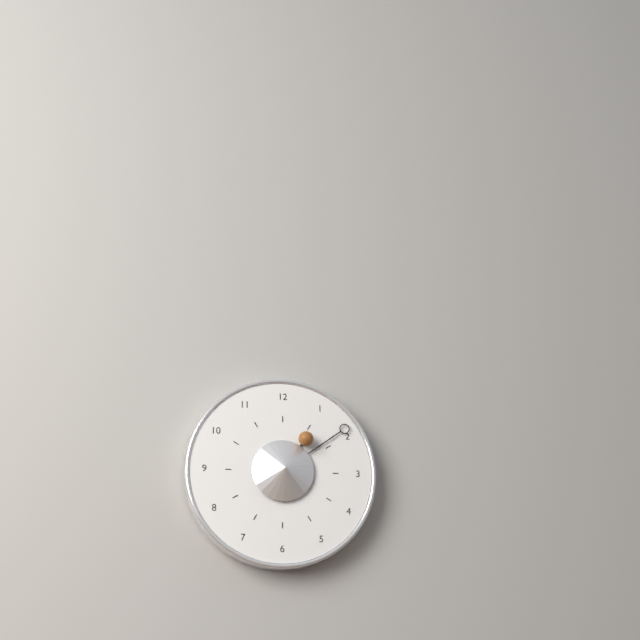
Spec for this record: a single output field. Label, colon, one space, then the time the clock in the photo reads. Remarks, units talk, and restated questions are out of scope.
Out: 1:09
